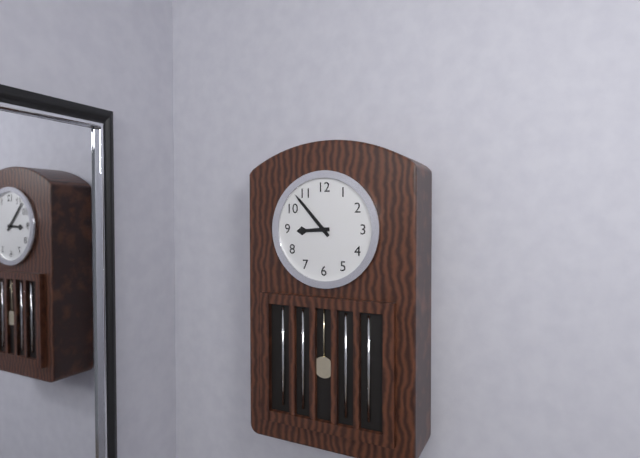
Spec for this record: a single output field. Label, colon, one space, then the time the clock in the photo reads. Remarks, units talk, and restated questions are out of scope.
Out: 8:53
